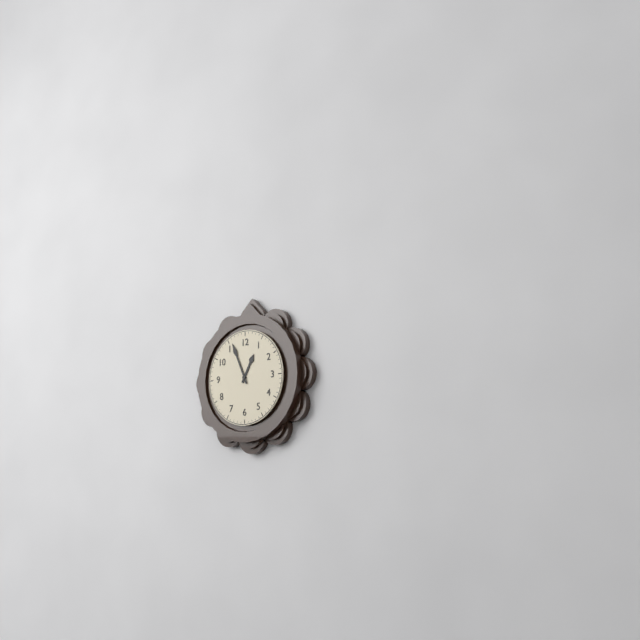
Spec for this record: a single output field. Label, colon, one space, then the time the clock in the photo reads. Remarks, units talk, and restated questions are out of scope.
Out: 12:56
